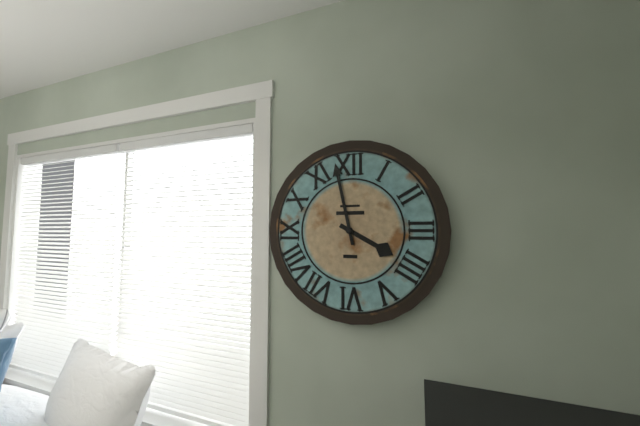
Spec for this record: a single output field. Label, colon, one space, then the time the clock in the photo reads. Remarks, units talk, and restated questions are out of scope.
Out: 3:58
